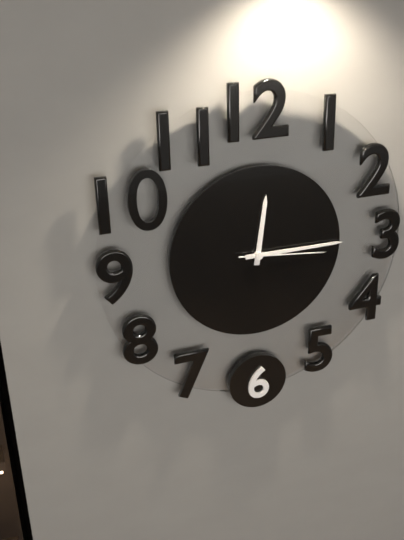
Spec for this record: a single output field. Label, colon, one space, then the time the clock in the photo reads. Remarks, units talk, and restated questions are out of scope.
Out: 12:15:16
